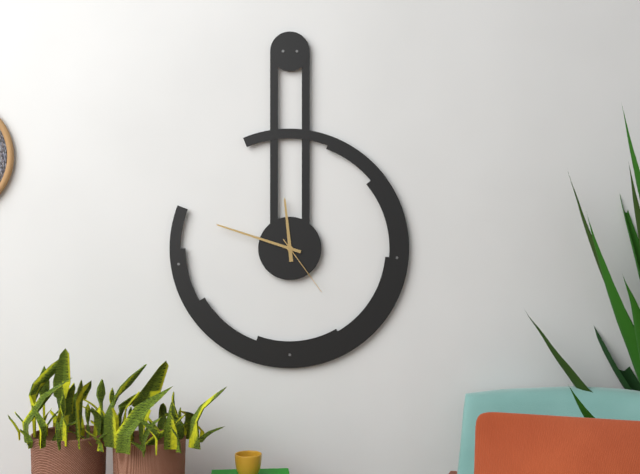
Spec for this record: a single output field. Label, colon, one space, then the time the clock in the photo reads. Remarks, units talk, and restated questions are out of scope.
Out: 11:48:24
